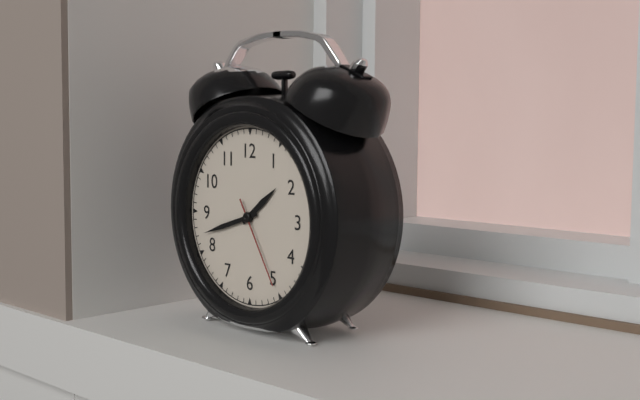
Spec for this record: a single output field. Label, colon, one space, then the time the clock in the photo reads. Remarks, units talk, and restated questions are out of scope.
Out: 1:42:25
